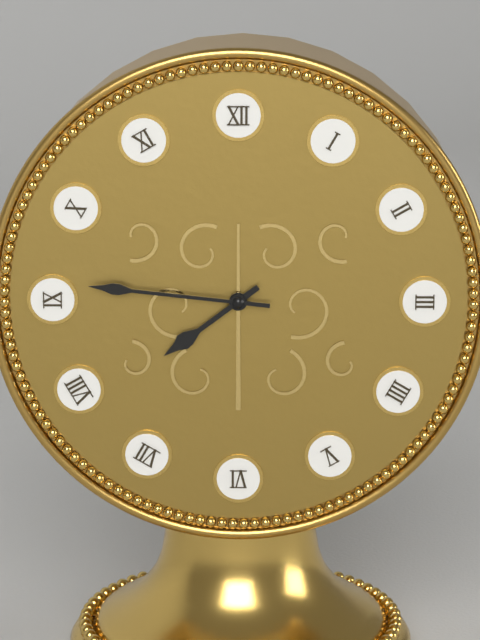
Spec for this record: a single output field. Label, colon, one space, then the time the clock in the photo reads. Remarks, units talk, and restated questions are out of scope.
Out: 7:46
